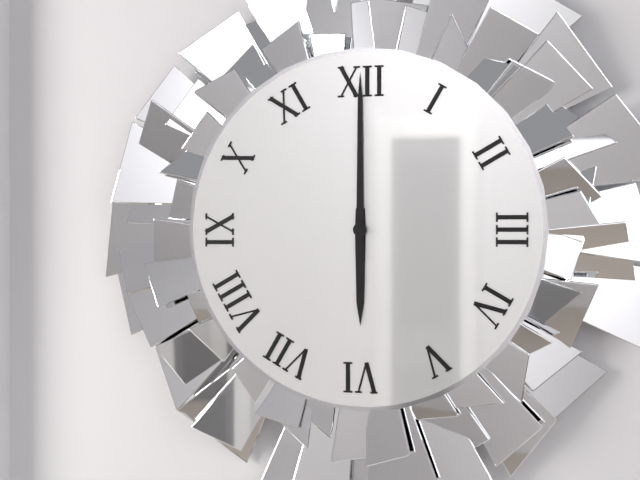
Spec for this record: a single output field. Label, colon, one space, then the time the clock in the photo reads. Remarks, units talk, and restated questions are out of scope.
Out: 6:00
